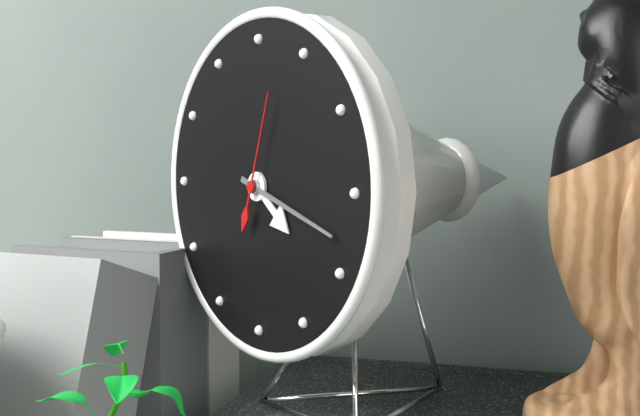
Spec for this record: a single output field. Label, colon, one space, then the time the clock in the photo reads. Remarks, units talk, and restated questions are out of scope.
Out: 4:18:03
